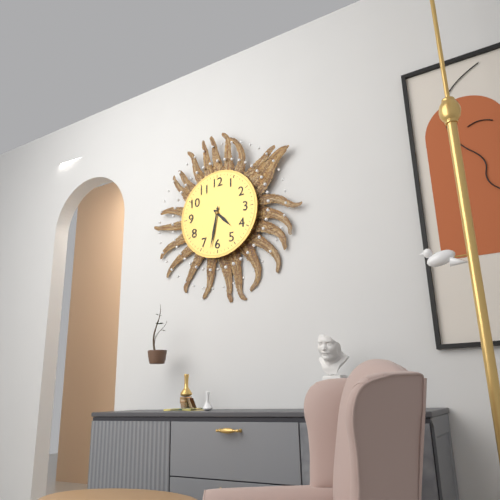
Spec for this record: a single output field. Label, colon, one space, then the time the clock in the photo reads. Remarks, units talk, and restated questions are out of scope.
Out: 4:32
